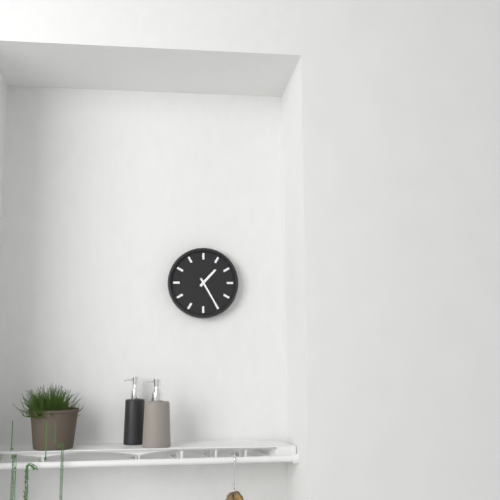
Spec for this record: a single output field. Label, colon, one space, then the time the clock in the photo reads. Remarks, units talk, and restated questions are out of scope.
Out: 1:25
